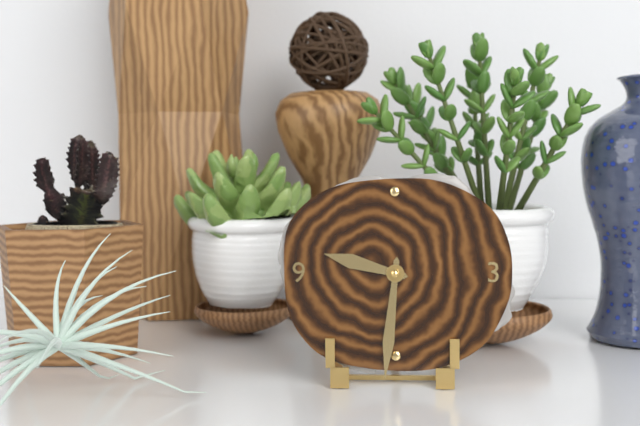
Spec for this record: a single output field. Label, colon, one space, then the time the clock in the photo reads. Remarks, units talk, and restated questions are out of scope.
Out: 9:31
